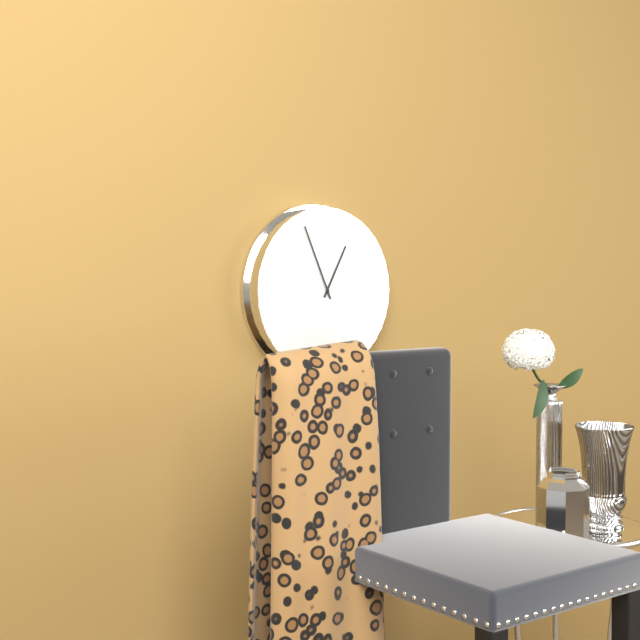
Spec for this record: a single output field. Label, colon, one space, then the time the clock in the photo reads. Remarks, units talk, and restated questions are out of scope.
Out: 12:56
